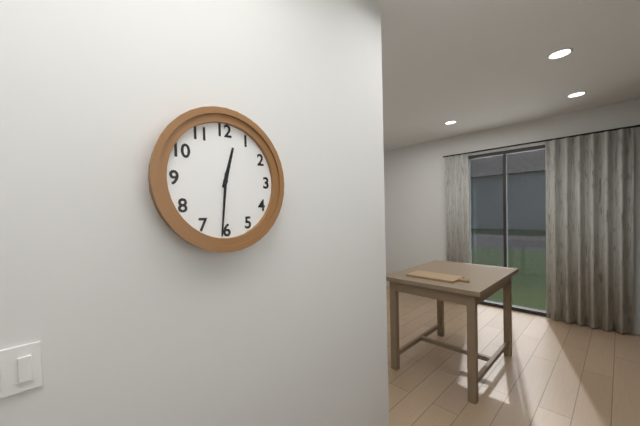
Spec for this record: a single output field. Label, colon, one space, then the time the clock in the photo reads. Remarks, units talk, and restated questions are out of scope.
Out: 12:31
